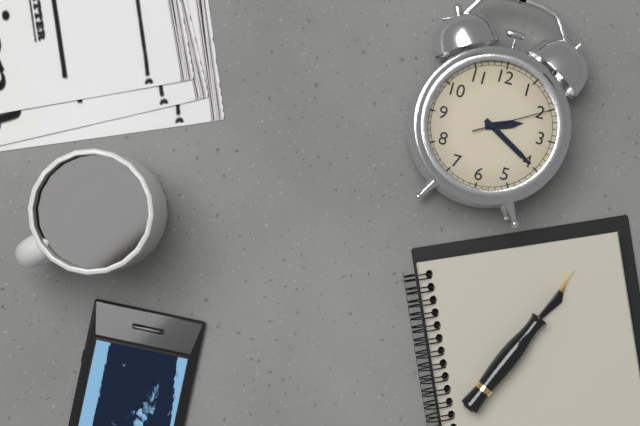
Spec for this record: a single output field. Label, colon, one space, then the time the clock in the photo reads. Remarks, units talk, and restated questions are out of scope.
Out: 2:20:10
